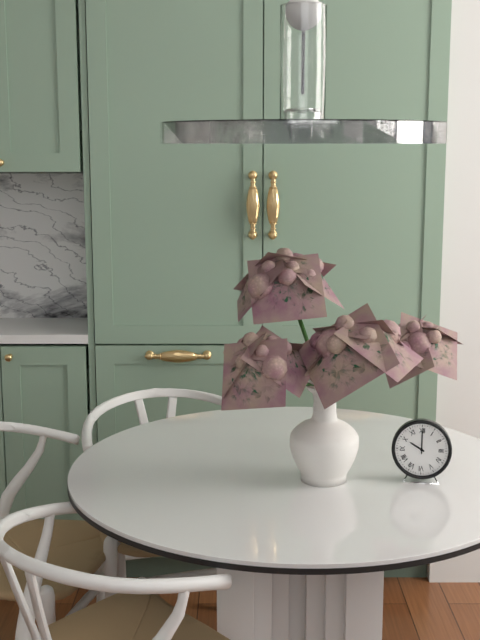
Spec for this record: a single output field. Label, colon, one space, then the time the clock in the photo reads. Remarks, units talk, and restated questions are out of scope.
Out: 10:00
